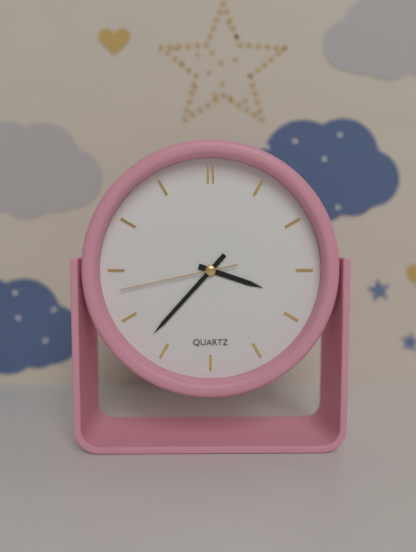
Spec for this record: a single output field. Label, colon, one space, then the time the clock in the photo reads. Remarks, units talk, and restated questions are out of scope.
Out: 3:37:43
